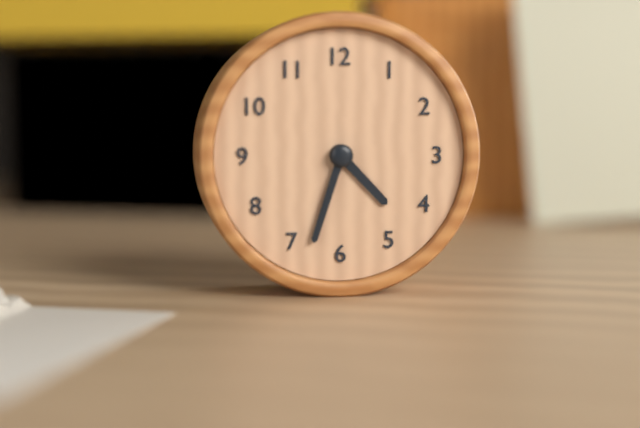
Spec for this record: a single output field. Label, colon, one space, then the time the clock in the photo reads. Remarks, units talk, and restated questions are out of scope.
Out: 4:33
